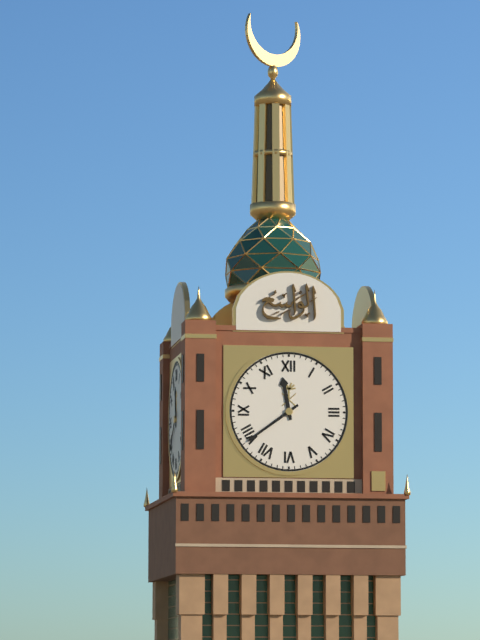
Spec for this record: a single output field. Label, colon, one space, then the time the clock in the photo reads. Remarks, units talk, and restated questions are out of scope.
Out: 11:39
